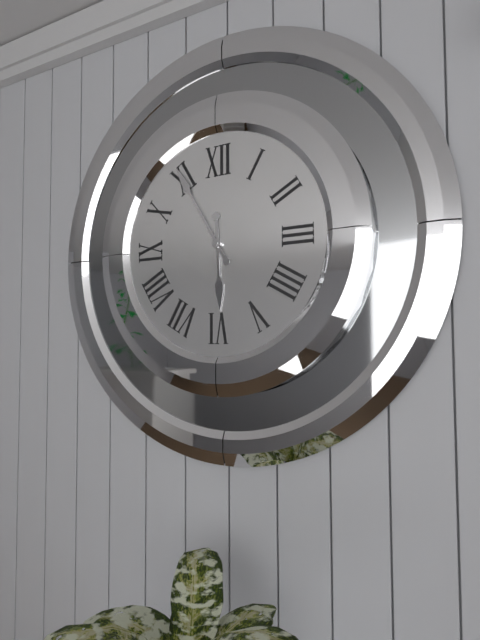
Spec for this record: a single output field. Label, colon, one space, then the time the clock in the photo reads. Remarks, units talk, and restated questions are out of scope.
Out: 5:55
